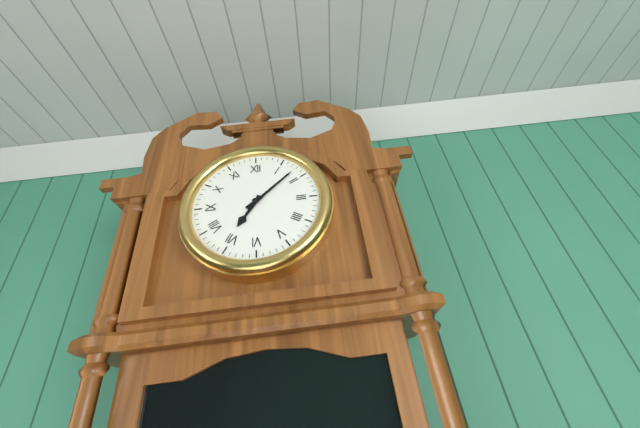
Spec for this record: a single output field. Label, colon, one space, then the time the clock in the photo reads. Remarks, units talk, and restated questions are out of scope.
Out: 7:08
